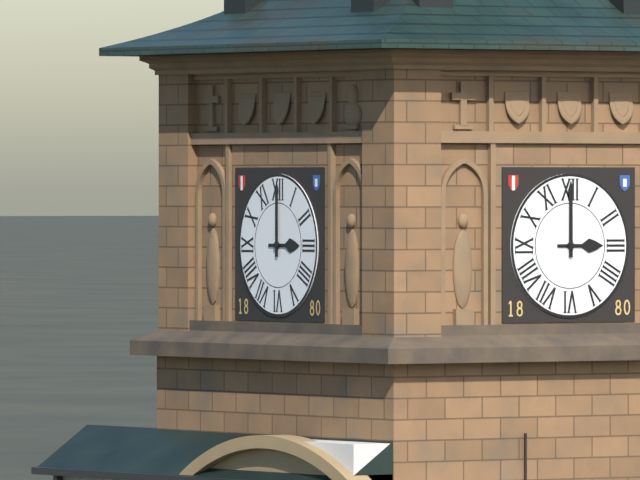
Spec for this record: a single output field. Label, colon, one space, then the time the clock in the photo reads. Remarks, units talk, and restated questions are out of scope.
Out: 3:00
